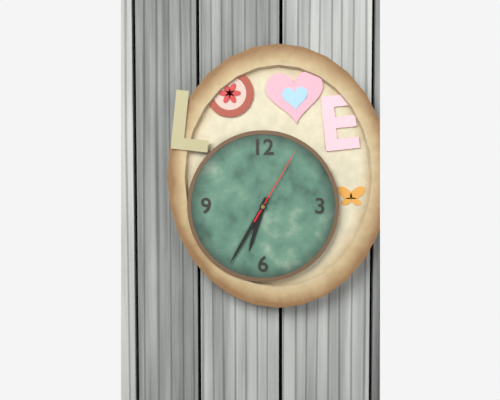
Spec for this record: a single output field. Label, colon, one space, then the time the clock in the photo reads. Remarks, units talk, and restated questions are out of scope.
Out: 6:35:05
